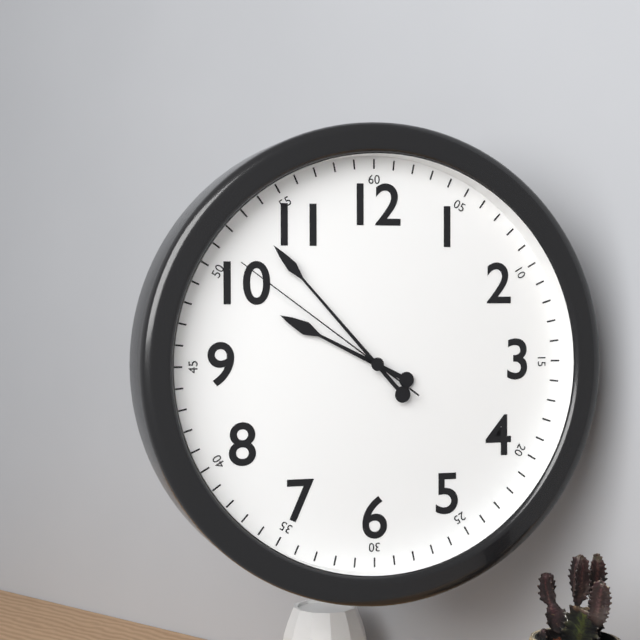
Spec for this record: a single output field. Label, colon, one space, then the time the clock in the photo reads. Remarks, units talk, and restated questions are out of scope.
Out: 9:53:51
